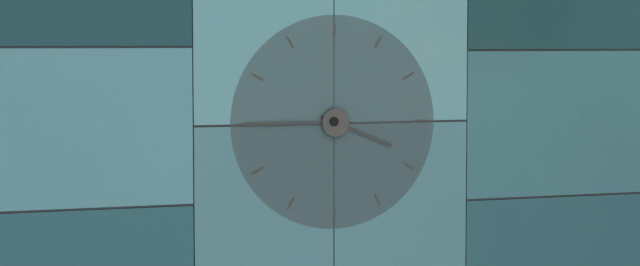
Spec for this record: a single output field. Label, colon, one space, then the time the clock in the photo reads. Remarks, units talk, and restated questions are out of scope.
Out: 3:45
